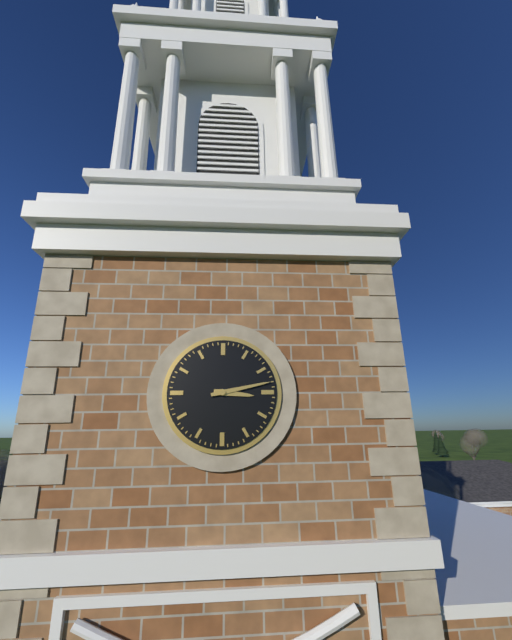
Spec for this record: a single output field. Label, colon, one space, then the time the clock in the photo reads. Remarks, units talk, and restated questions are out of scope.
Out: 3:13
